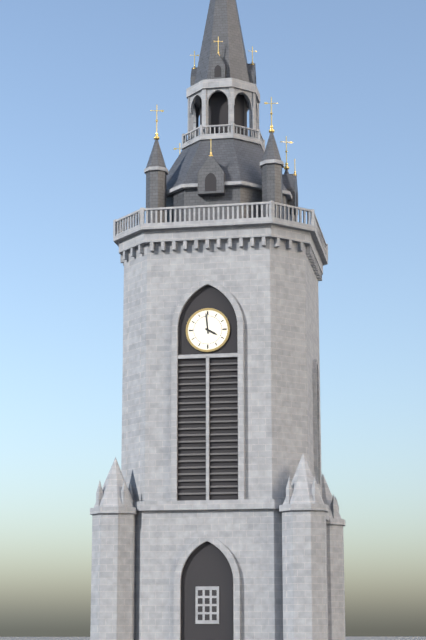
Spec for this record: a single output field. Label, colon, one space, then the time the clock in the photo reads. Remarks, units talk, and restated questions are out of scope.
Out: 3:59
